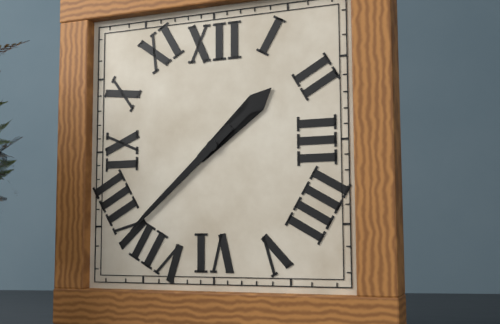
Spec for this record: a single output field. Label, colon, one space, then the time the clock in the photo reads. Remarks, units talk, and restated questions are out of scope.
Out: 1:38
